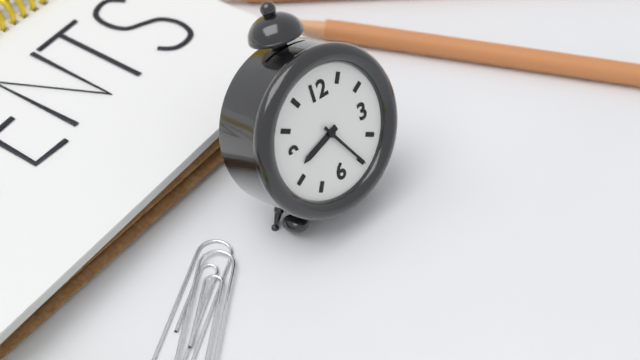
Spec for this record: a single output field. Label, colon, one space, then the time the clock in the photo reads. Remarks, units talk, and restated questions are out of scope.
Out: 8:25
